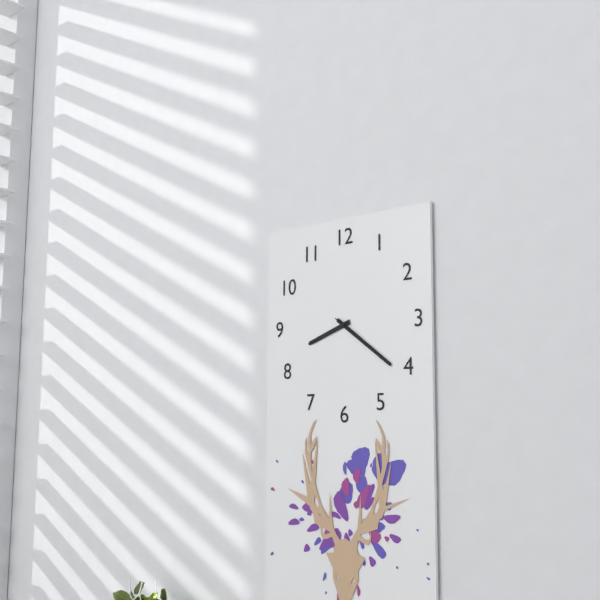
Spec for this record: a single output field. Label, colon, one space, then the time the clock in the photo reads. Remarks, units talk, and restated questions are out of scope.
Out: 8:21:21
